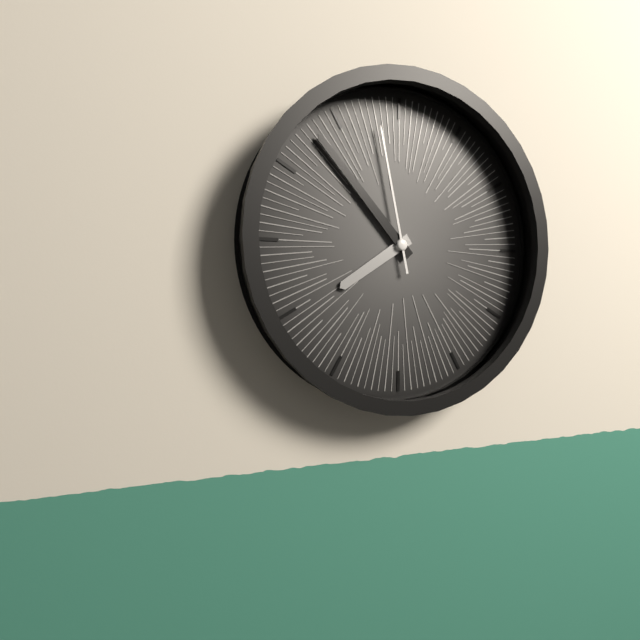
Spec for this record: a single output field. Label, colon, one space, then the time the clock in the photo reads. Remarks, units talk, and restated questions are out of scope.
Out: 7:53:58
